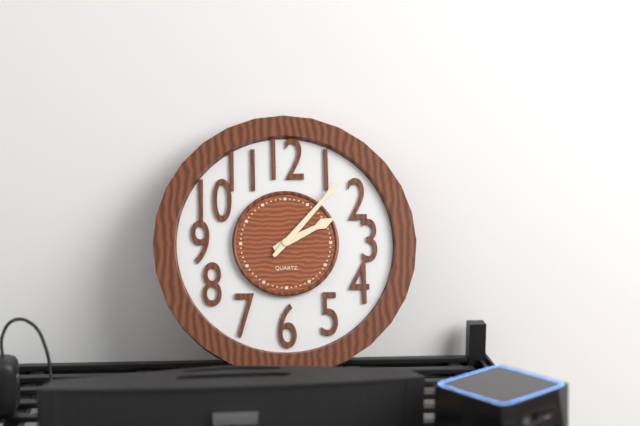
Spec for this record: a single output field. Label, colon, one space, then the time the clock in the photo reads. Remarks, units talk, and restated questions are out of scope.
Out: 2:07
